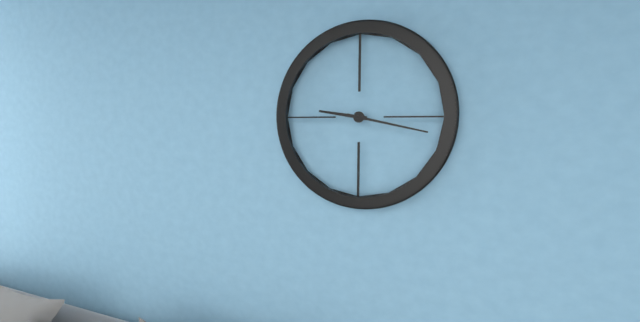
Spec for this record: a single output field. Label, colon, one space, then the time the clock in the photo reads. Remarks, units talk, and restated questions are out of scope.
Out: 9:17
